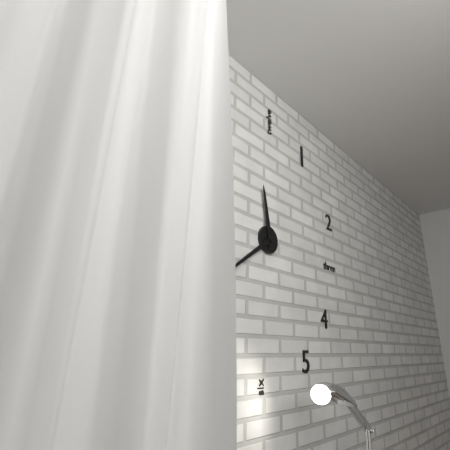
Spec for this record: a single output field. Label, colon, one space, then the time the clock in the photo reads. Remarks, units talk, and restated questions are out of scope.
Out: 11:39
